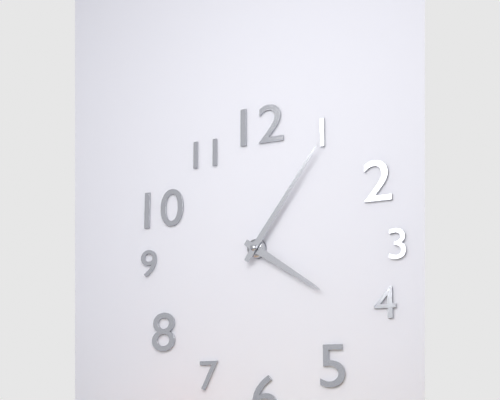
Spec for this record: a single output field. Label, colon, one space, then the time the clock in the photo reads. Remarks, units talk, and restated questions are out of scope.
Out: 4:06
